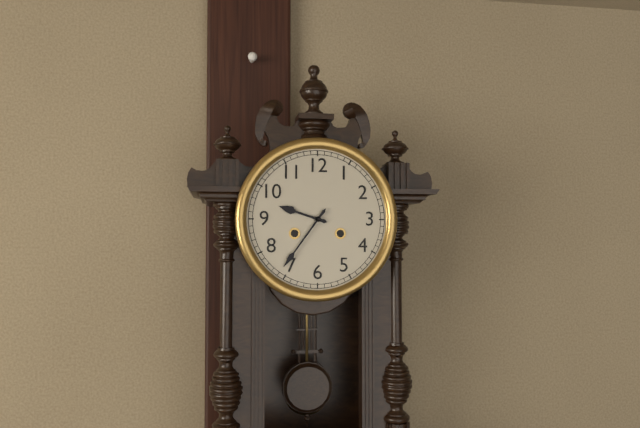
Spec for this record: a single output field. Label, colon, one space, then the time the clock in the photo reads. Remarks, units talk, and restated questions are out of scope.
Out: 9:36
